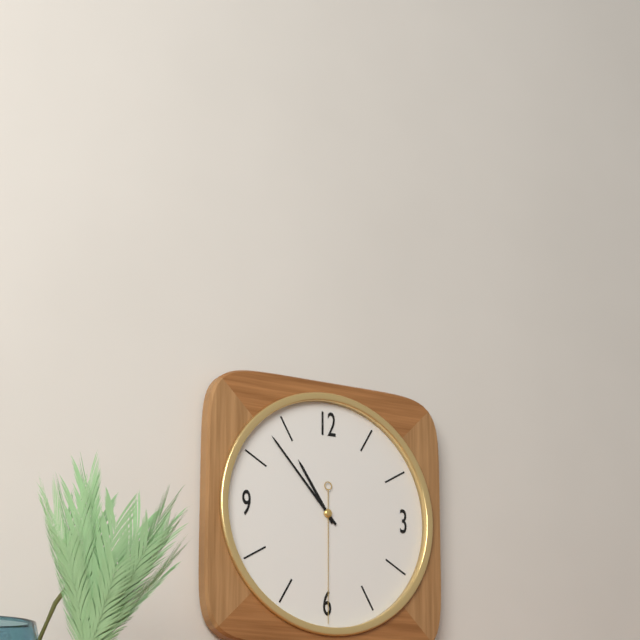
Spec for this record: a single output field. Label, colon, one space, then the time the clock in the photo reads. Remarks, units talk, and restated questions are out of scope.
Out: 10:53:30
